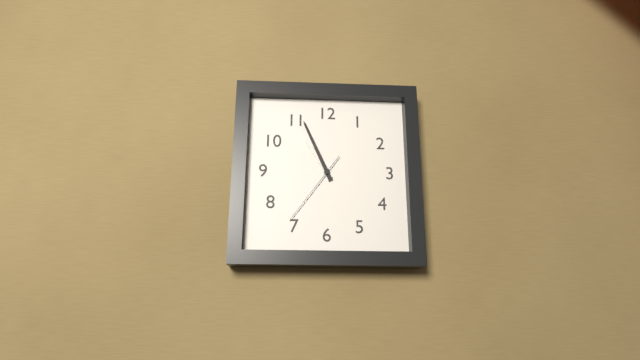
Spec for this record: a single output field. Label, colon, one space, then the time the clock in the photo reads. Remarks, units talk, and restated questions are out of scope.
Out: 10:56:36
